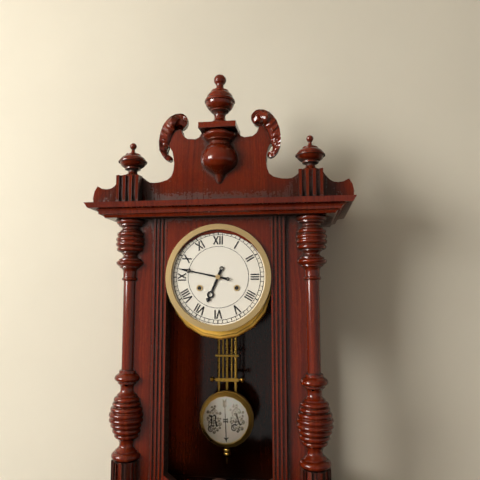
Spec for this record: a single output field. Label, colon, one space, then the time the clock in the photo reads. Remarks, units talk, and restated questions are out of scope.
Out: 6:47
